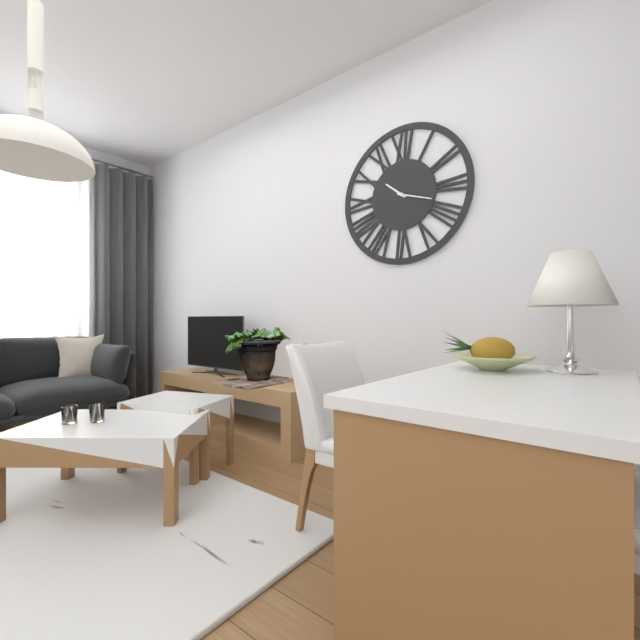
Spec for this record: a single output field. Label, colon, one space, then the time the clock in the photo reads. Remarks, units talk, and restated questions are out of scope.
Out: 10:18
